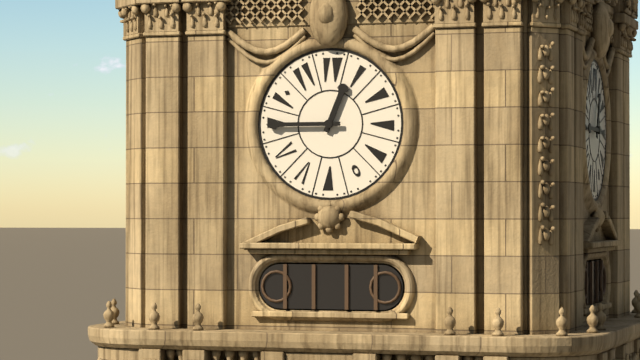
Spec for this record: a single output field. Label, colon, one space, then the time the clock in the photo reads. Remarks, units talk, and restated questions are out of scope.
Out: 12:45
